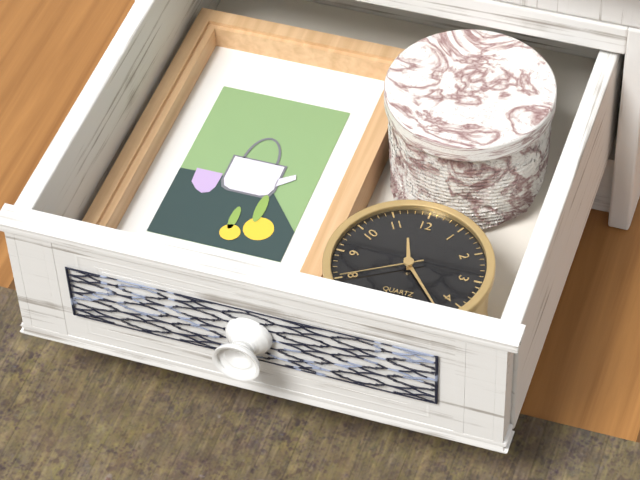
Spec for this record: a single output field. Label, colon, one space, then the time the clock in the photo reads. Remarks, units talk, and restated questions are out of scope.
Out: 11:23:40
